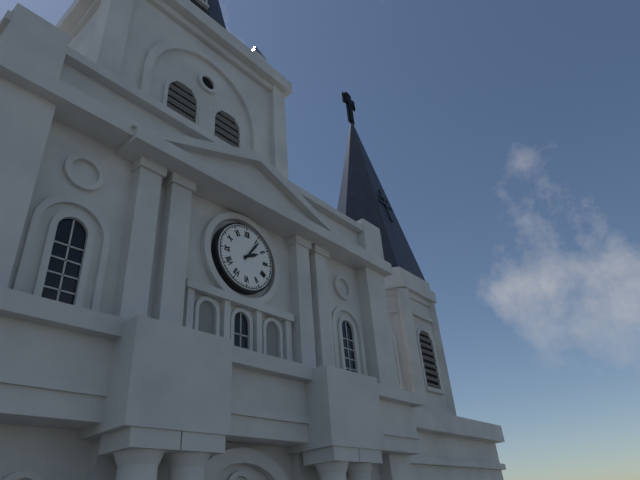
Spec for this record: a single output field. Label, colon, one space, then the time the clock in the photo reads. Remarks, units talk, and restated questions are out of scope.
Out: 2:06
